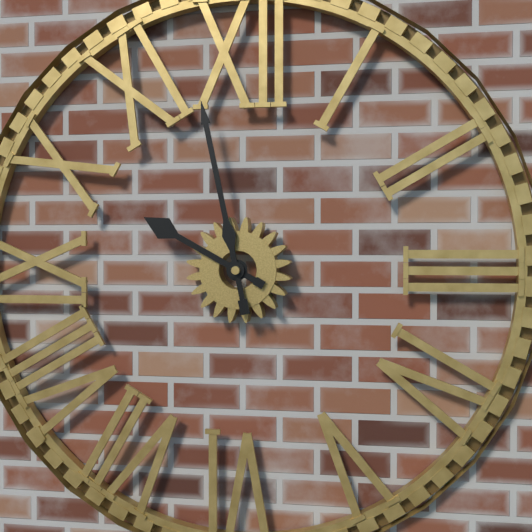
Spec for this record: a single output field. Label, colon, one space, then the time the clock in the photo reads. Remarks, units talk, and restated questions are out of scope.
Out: 9:58
